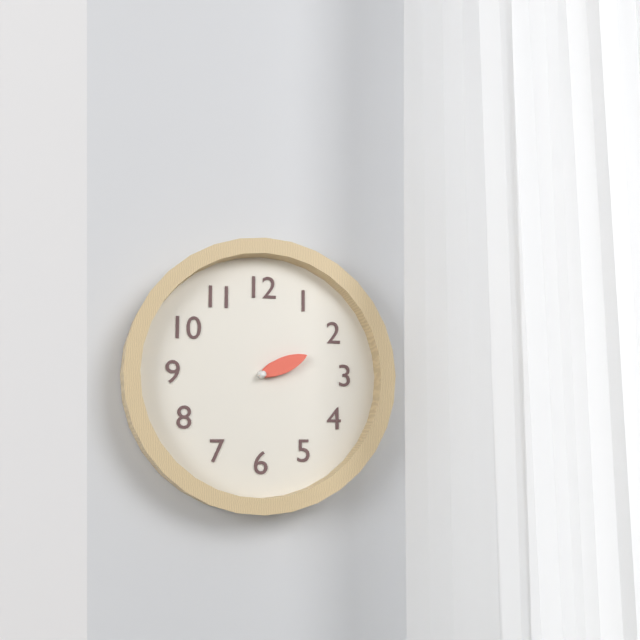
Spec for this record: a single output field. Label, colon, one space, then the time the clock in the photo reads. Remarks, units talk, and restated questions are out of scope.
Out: 2:11
